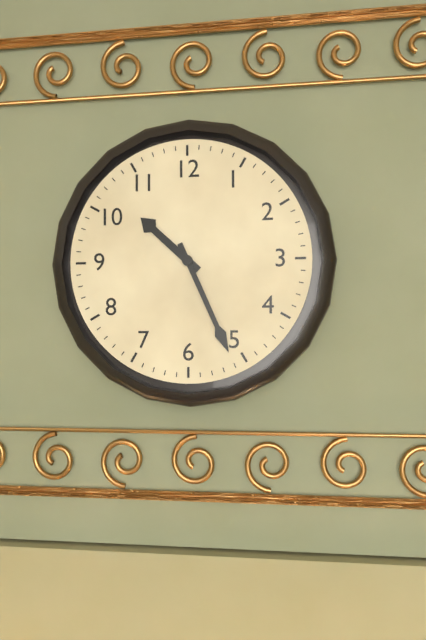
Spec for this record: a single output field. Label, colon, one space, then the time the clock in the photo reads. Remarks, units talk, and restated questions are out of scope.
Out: 10:26
